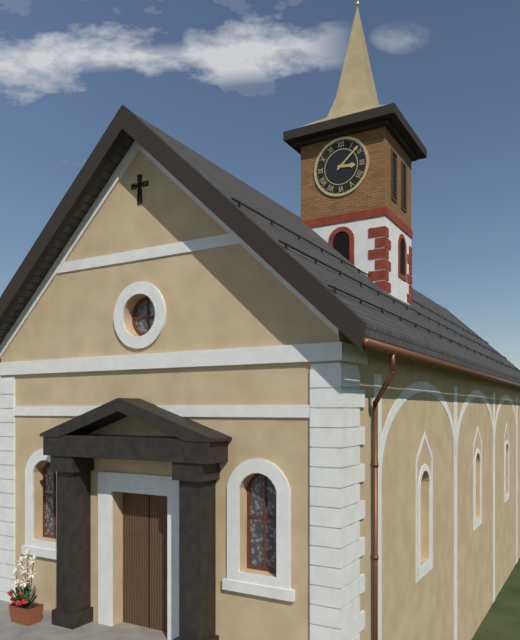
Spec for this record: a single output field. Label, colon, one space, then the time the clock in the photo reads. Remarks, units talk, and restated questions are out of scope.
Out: 3:08
